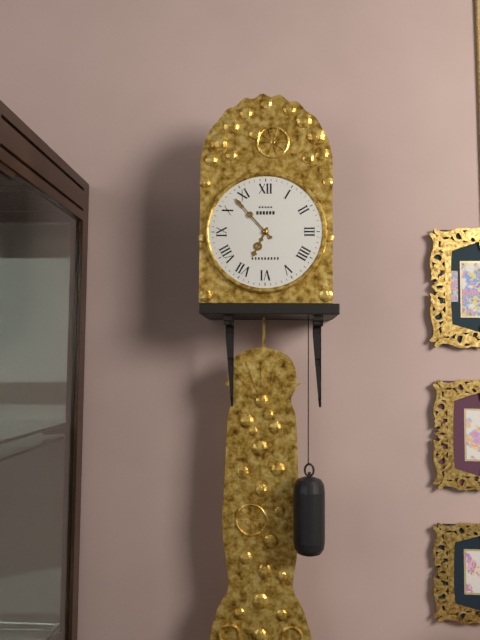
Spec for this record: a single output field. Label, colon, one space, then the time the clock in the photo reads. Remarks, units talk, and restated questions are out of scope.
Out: 6:53
